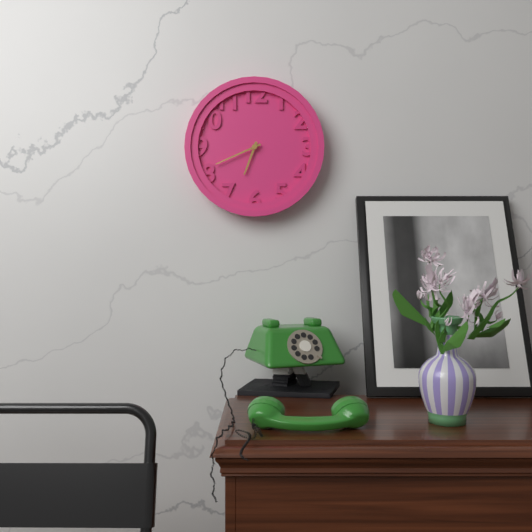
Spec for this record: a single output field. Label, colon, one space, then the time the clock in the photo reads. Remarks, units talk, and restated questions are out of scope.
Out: 6:41
